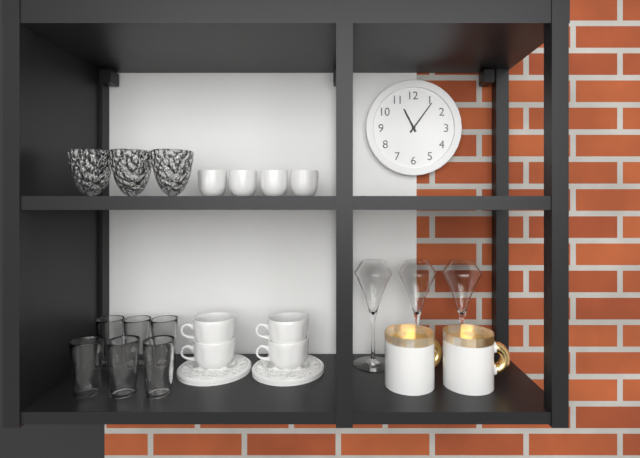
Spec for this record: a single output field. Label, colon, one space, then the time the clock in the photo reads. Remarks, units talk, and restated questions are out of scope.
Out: 11:06
